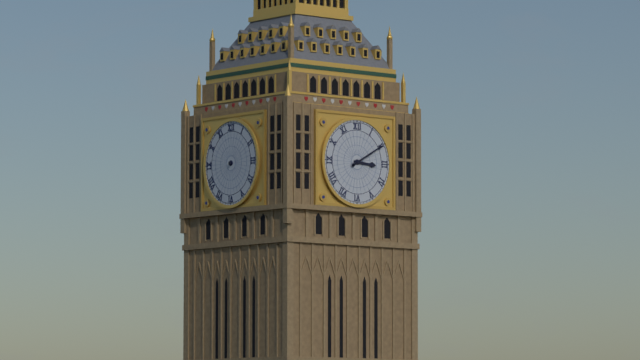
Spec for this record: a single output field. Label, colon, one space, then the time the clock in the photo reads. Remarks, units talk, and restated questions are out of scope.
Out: 3:10
